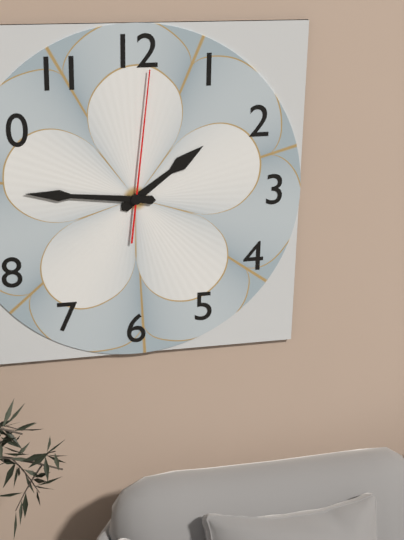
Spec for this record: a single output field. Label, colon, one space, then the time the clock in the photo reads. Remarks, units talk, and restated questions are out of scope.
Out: 1:46:01
